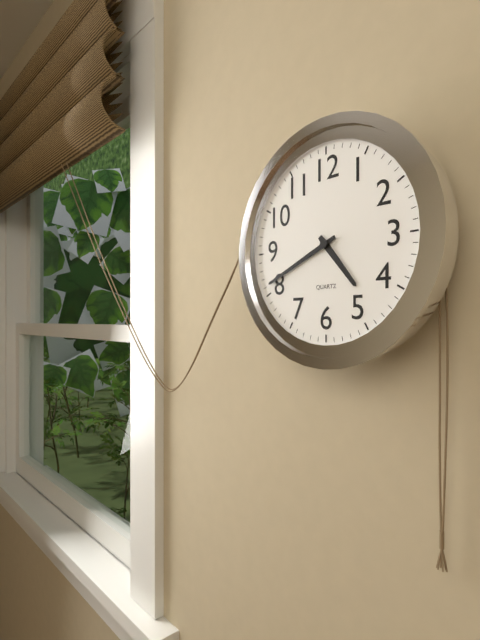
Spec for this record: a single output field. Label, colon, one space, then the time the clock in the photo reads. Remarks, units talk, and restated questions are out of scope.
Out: 4:41
